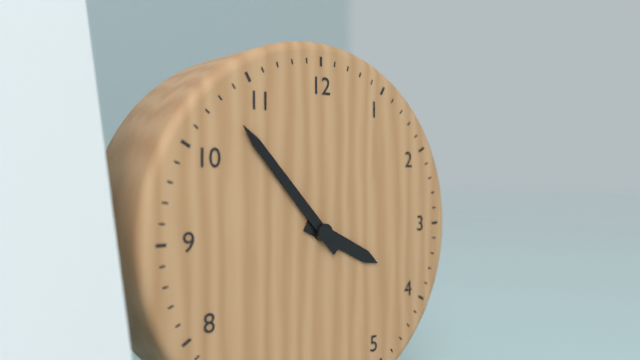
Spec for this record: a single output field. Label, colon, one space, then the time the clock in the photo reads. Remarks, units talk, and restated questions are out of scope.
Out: 3:53
